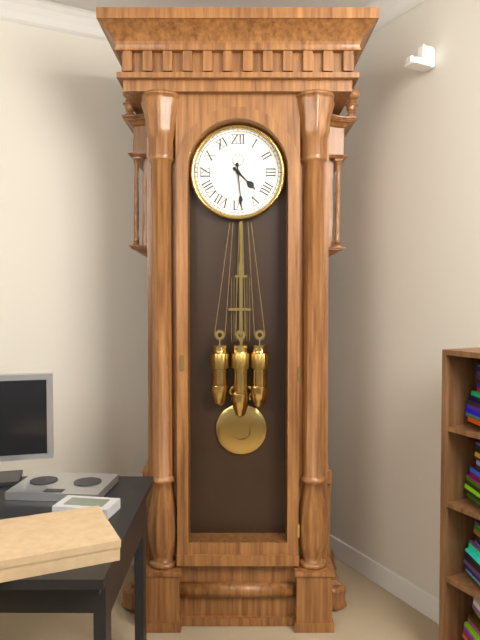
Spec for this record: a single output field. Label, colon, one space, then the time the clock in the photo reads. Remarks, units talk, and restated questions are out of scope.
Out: 4:29
